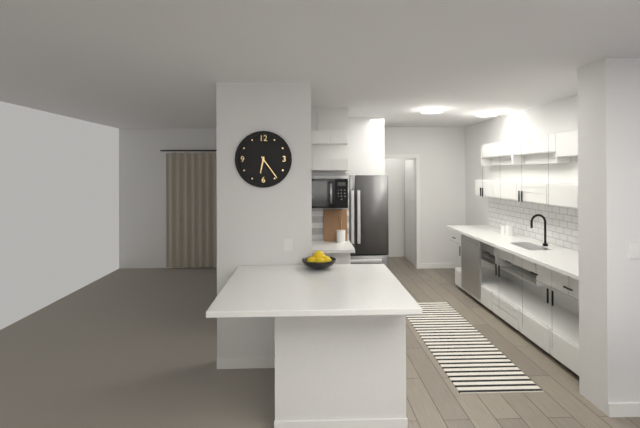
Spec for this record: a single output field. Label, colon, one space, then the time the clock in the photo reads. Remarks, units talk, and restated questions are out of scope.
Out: 6:24
